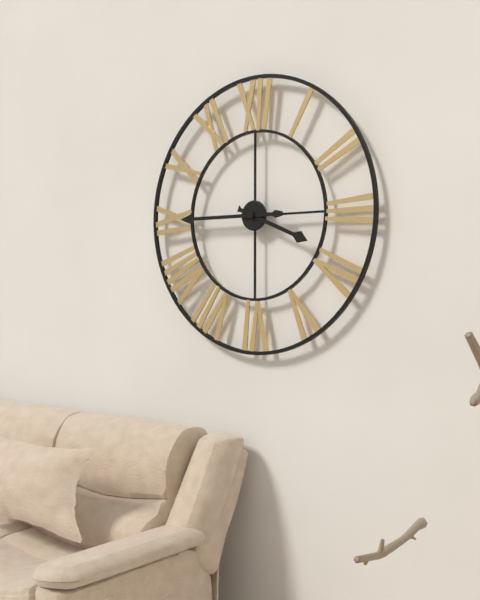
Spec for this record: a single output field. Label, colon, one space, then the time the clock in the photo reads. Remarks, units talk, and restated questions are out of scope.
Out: 3:45
